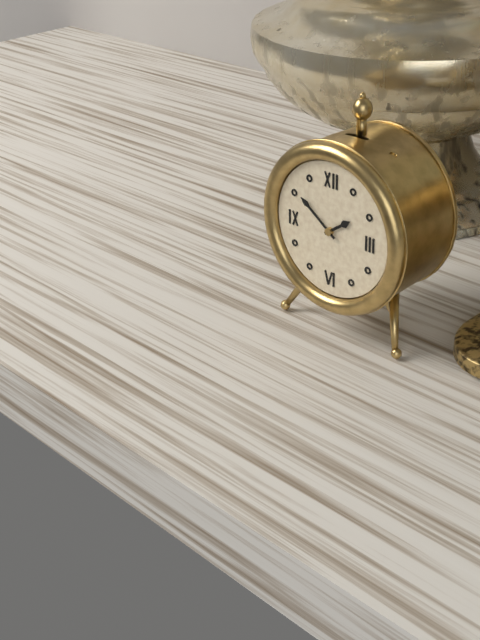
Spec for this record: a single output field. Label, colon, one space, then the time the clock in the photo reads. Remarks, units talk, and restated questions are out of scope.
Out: 1:51
